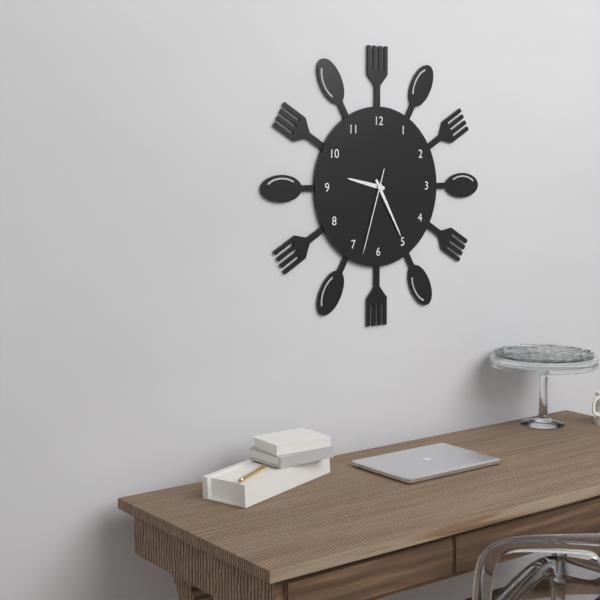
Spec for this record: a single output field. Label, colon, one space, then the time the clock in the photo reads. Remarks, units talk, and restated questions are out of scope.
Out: 9:25:33
